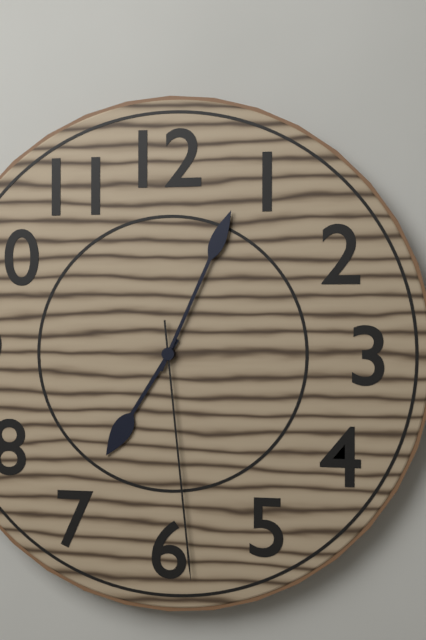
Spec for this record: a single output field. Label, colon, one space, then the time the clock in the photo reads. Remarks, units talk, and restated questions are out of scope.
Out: 7:04:29
